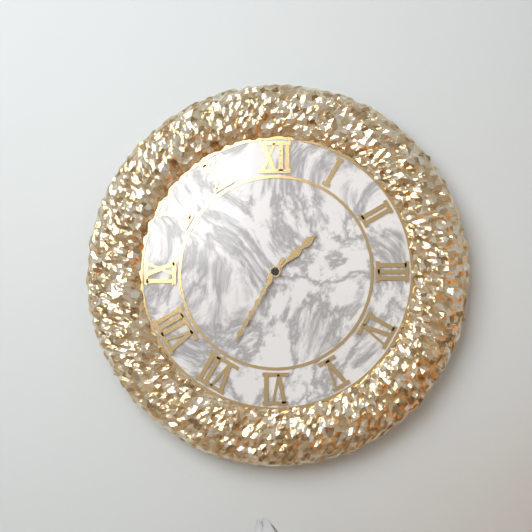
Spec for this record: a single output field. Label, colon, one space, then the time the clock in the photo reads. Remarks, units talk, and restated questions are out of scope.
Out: 1:35
